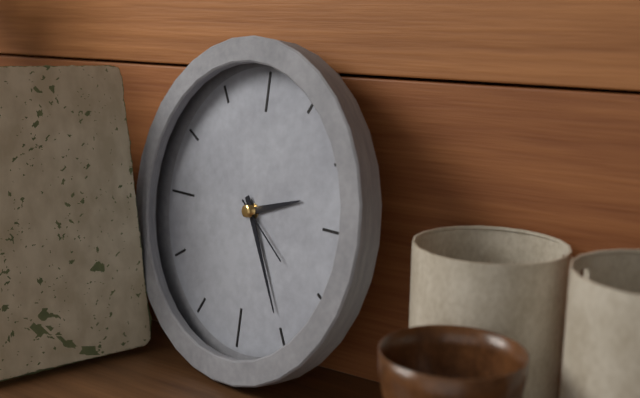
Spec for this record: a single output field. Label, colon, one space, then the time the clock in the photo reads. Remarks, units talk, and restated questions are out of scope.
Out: 2:25:21
